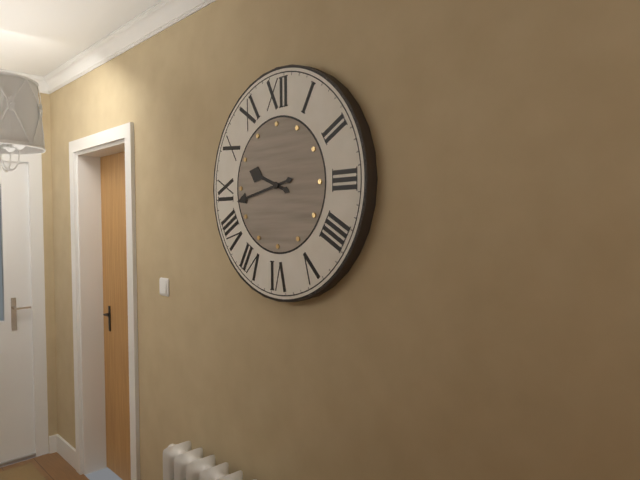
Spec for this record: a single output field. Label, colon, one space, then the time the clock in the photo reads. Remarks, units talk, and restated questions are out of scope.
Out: 9:43
